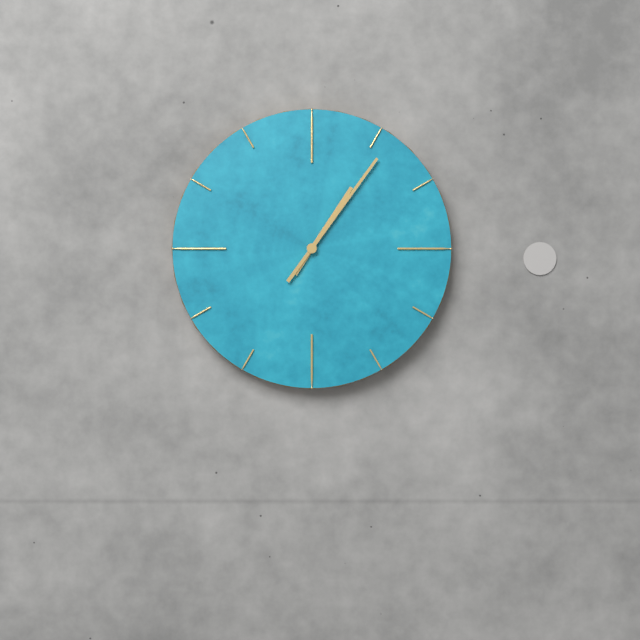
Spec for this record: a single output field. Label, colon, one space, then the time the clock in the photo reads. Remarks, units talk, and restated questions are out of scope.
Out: 1:06
